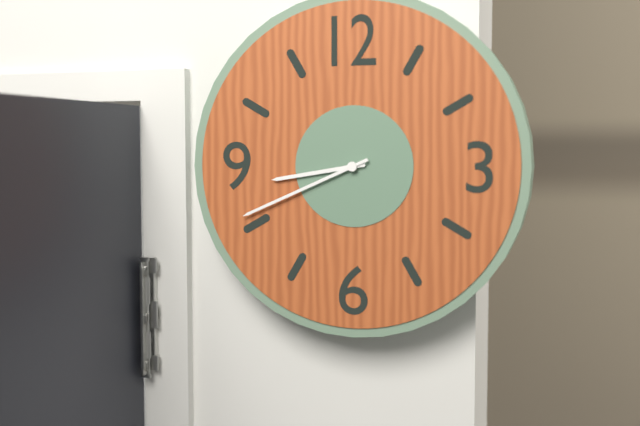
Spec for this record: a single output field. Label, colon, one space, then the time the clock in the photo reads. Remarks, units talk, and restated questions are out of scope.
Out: 8:41
